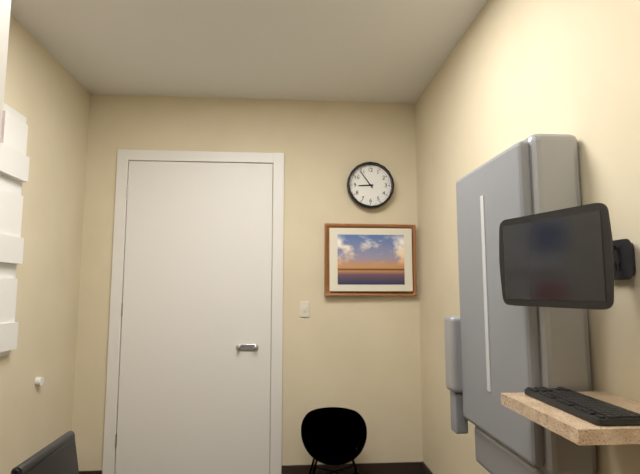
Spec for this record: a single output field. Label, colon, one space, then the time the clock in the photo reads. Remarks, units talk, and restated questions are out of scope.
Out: 8:54
